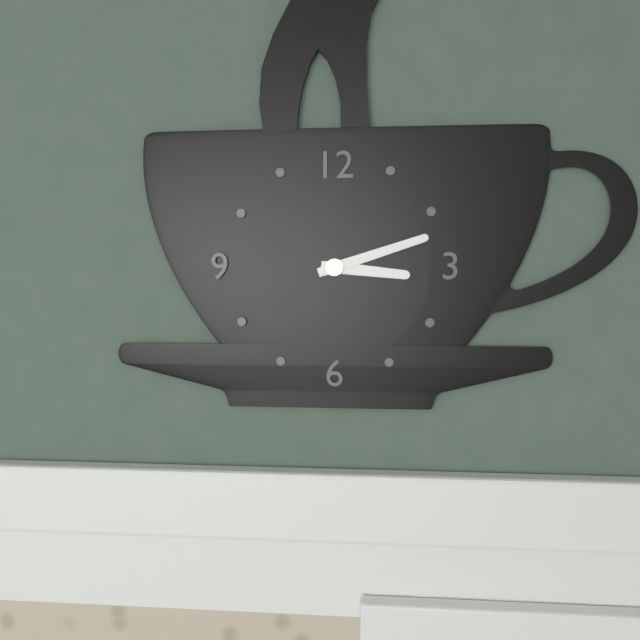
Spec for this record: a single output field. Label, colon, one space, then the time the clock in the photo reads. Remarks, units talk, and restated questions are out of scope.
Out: 3:12
